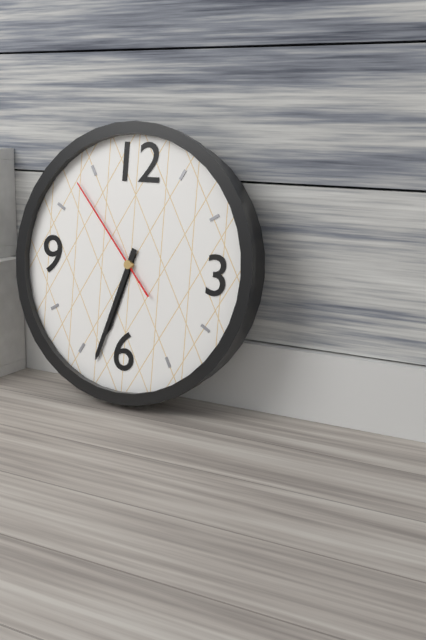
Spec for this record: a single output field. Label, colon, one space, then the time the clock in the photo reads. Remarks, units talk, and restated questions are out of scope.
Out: 6:33:53
